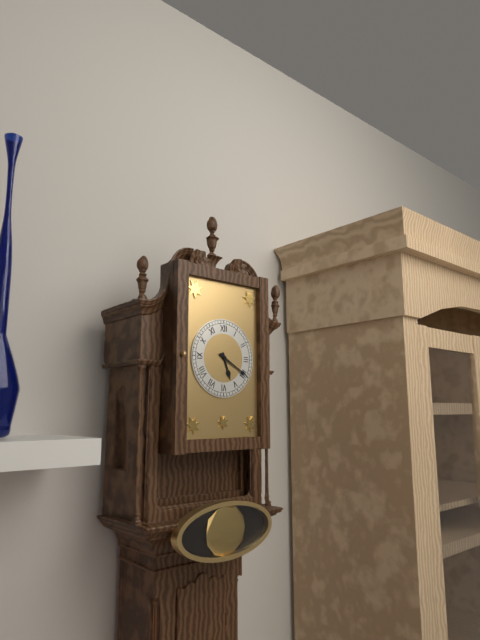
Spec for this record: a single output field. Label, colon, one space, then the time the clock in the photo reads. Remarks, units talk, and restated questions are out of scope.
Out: 5:20
